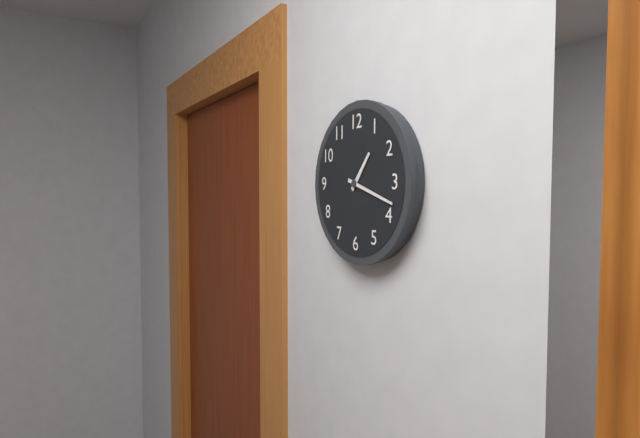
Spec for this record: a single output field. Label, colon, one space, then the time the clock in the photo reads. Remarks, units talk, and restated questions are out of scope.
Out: 1:18
